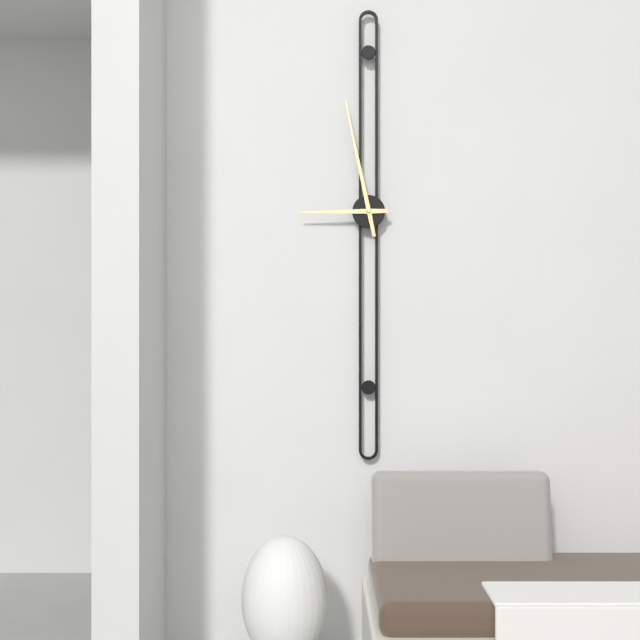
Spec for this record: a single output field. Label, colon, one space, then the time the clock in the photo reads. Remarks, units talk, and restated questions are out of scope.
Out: 8:58
